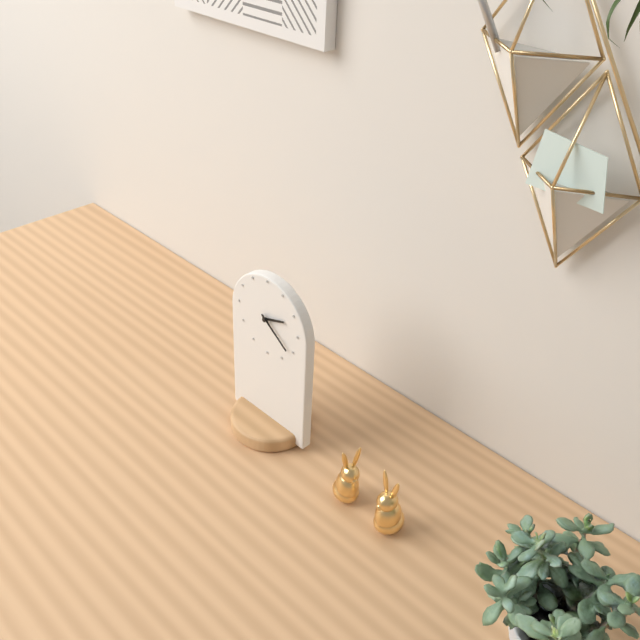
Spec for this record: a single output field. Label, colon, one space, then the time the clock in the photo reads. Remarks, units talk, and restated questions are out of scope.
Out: 2:21
